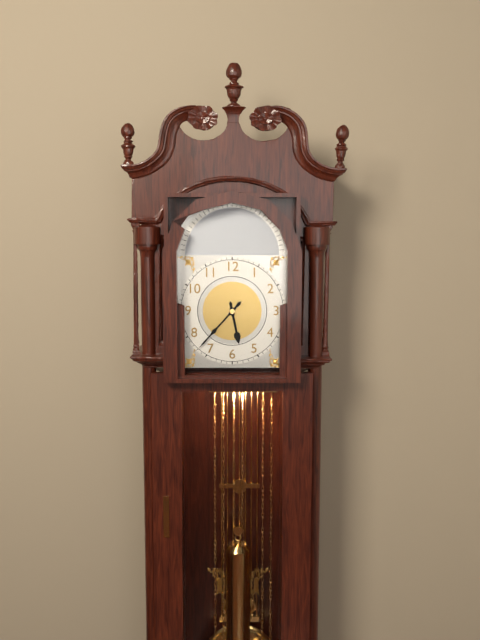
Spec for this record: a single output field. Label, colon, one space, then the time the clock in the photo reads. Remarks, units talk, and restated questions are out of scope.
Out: 5:37
